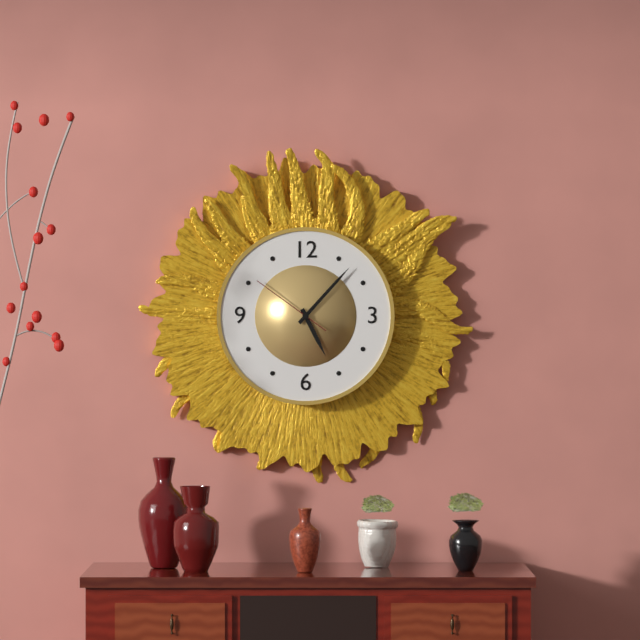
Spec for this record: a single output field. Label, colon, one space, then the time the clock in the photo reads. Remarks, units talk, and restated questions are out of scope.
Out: 5:07:51
